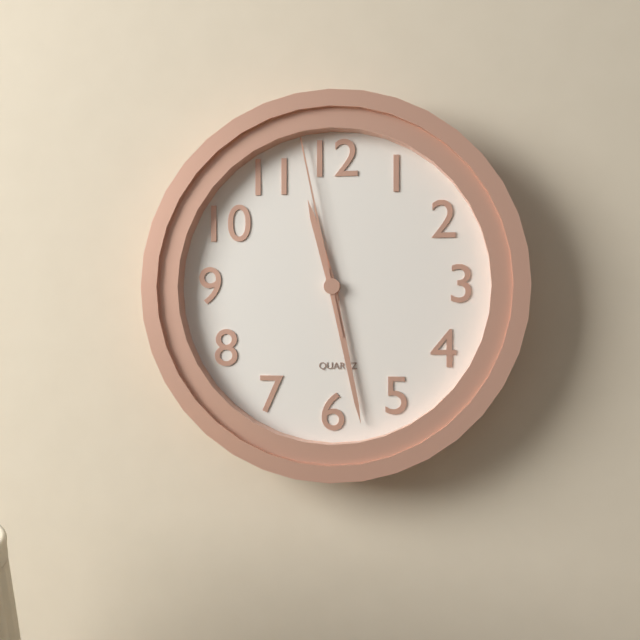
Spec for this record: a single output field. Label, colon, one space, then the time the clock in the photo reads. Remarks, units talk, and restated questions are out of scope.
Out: 11:28:58
